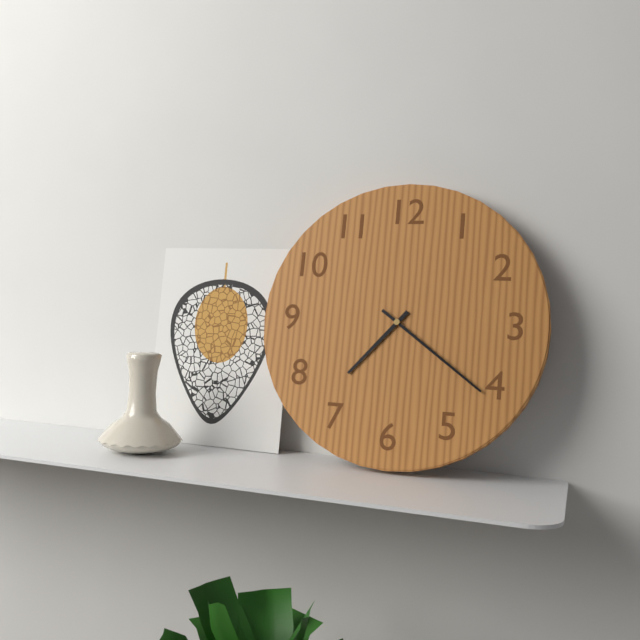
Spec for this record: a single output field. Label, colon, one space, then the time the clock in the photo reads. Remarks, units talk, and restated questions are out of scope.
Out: 7:21
